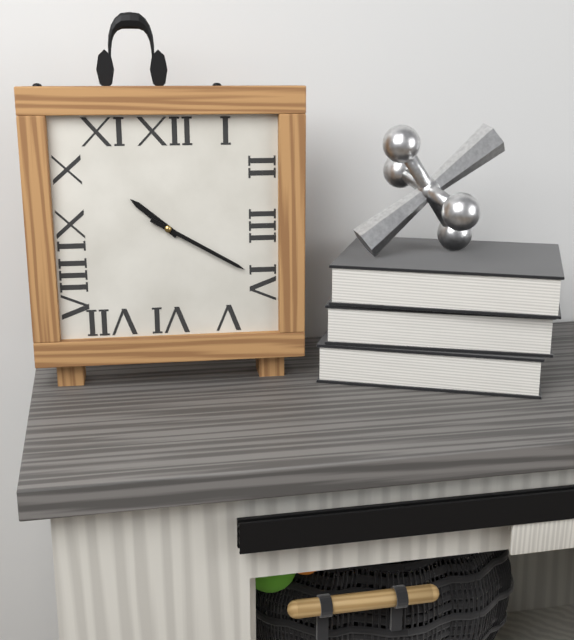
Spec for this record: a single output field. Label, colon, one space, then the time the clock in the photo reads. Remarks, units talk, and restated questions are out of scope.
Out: 10:20
